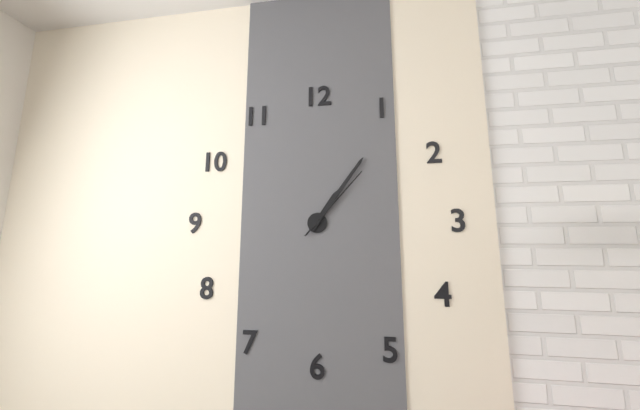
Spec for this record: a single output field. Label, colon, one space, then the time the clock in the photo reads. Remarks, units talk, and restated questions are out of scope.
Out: 1:06:07
